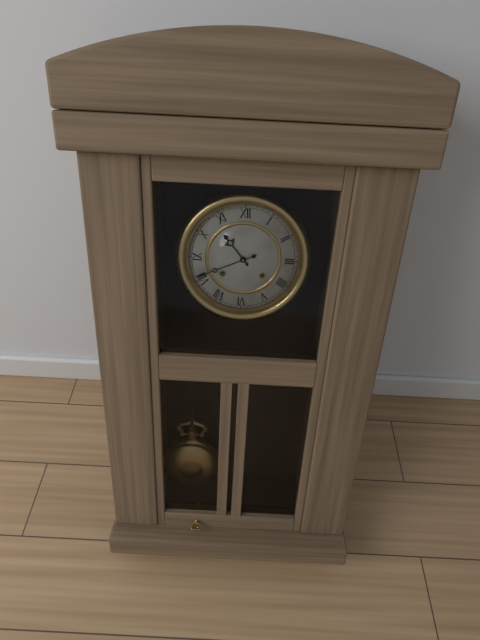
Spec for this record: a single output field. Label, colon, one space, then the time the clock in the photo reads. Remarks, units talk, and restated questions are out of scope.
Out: 10:41
